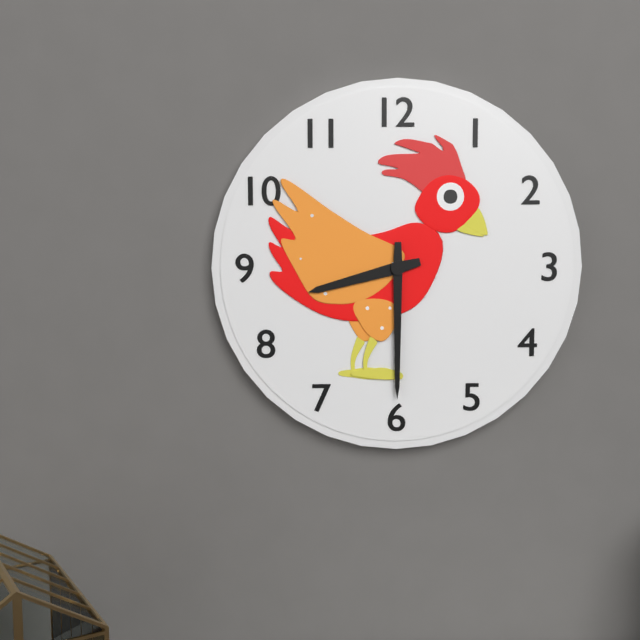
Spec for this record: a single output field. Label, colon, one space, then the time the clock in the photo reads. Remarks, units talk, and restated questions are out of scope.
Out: 8:30
